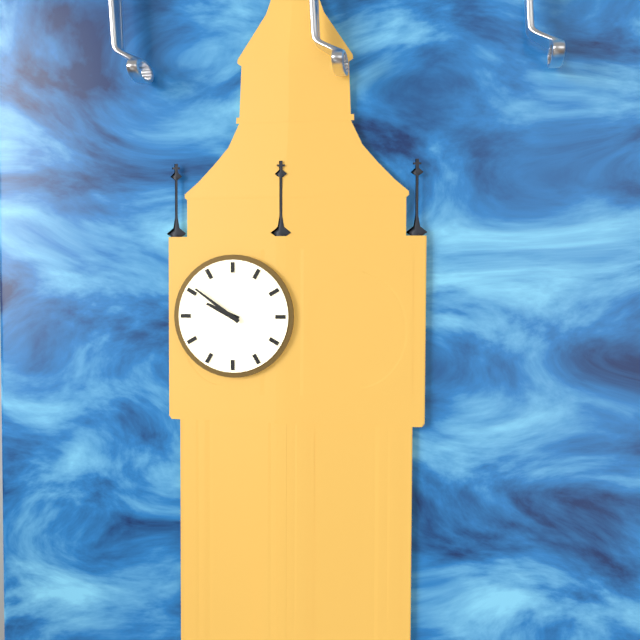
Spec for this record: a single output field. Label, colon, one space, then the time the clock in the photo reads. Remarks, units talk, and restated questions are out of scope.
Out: 9:51
